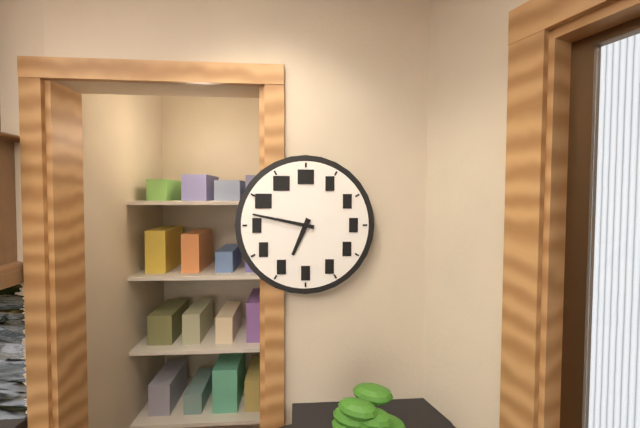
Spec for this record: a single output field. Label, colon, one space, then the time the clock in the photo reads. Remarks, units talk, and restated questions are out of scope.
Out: 6:47
